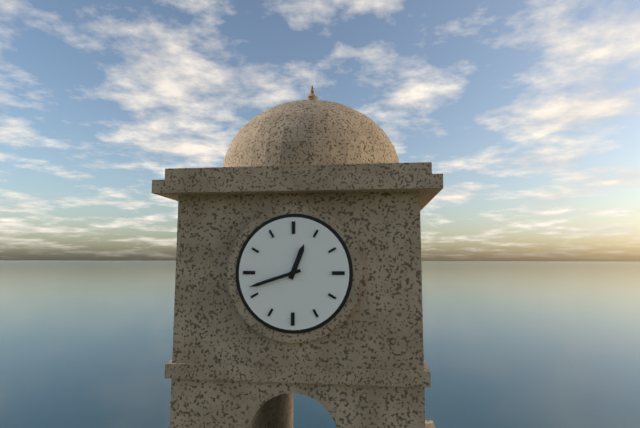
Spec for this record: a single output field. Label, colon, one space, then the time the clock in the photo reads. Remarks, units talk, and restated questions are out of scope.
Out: 12:42
